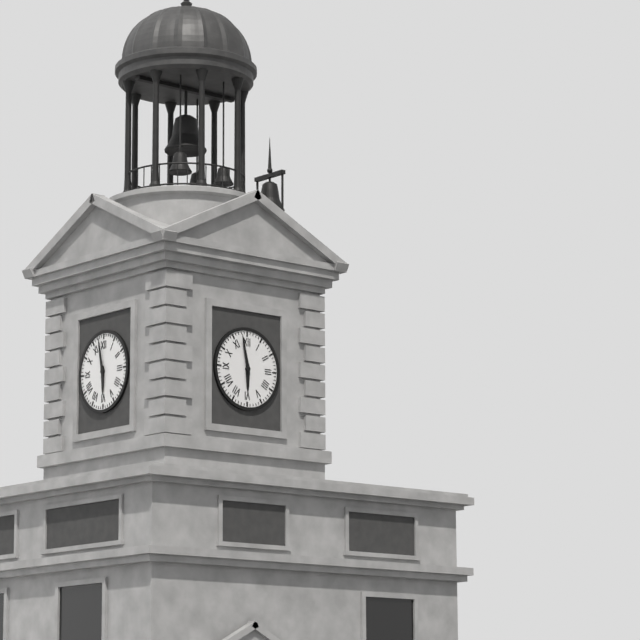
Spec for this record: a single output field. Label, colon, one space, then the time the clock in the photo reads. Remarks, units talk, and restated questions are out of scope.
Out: 5:58
